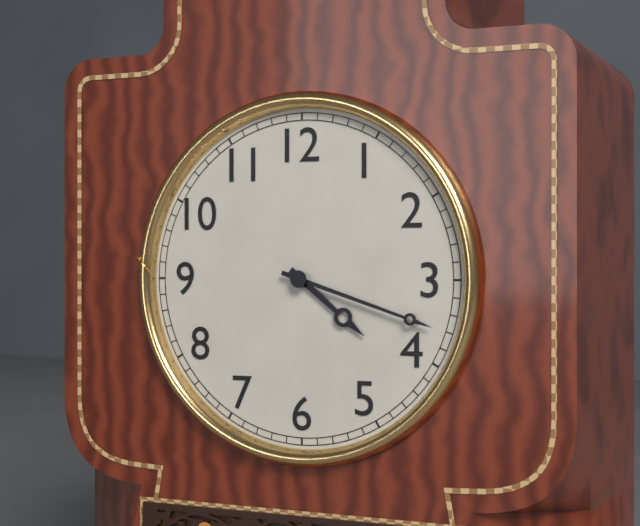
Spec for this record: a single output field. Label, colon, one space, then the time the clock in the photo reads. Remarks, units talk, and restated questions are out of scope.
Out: 4:18
